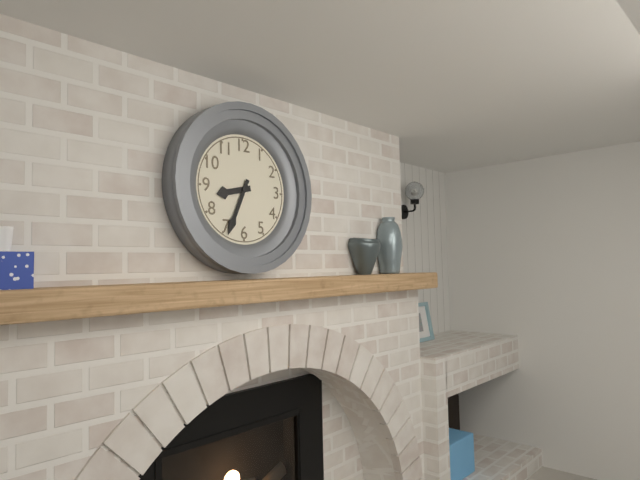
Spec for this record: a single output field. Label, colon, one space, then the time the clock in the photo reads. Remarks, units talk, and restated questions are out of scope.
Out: 8:34
